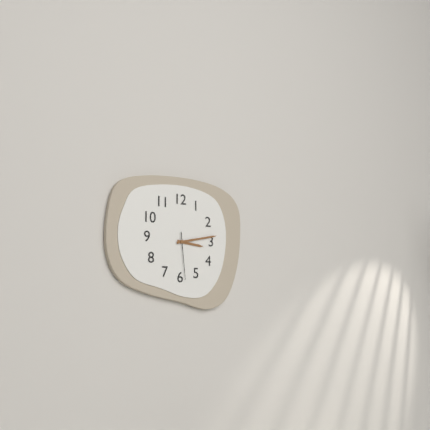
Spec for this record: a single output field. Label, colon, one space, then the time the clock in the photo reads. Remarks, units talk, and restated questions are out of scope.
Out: 3:13
